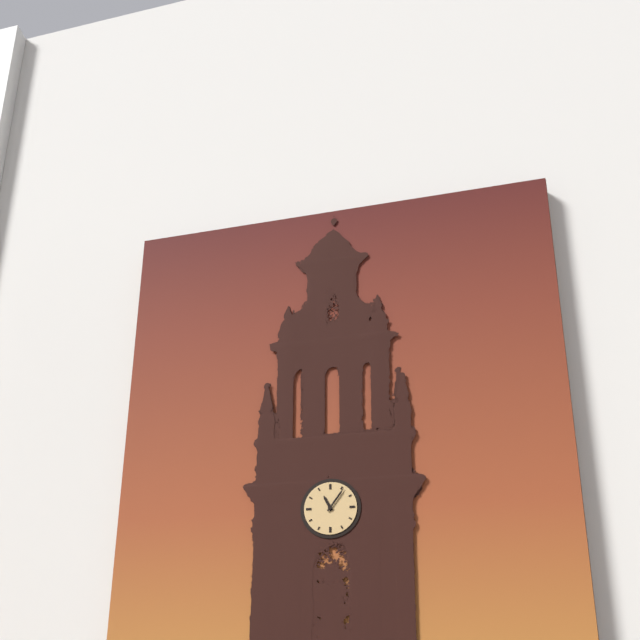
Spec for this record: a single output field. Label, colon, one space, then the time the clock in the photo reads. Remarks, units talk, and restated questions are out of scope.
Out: 11:06
